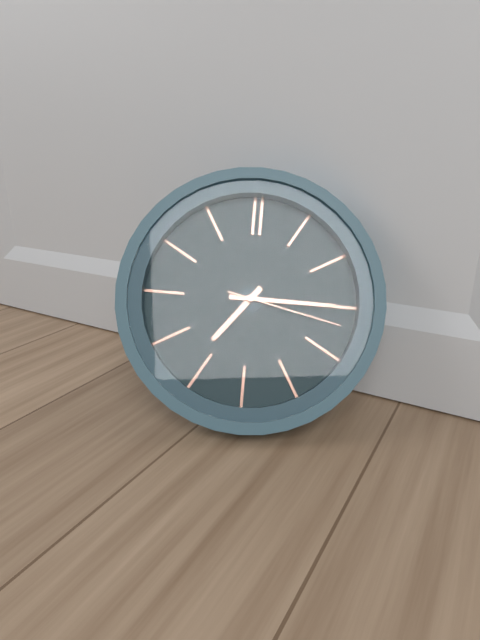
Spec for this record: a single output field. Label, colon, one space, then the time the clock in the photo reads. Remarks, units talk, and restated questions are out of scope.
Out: 7:15:17
